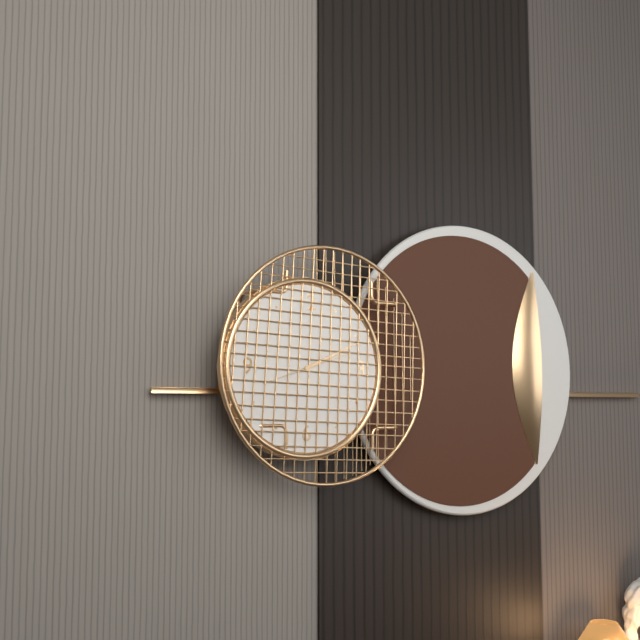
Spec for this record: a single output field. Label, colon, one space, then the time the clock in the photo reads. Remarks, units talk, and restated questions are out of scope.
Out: 2:11:12
